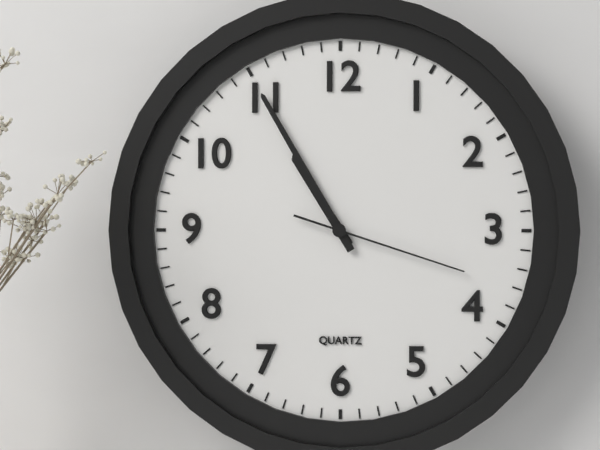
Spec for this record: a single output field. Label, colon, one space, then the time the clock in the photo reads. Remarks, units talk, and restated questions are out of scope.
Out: 10:55:18
